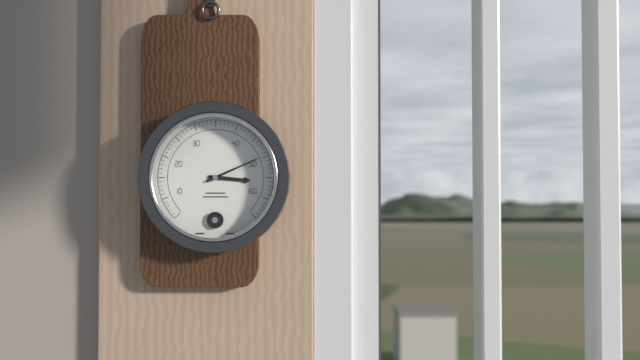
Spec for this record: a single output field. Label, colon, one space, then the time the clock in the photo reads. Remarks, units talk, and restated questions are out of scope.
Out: 3:11
